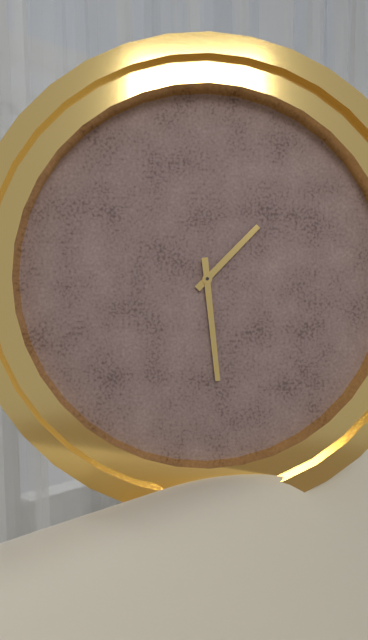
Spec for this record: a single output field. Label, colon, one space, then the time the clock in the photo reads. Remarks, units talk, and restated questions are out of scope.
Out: 1:29
